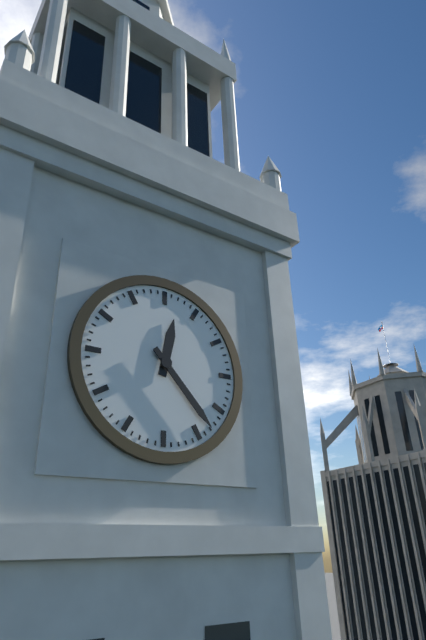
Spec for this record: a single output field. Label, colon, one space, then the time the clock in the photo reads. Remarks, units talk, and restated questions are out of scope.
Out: 12:23
